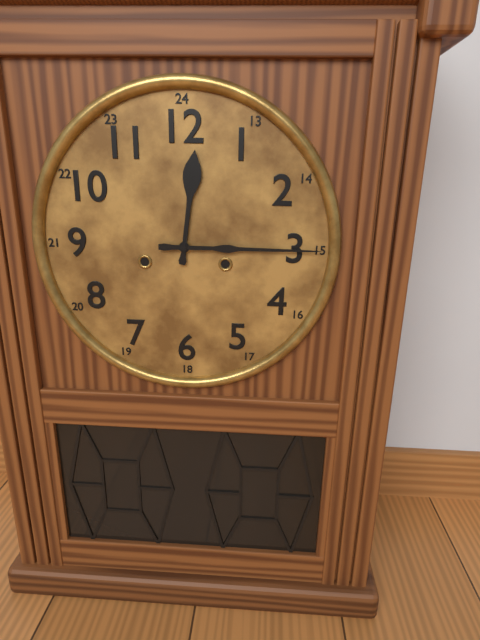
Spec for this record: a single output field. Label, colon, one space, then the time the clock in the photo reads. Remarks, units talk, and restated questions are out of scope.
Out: 12:15
